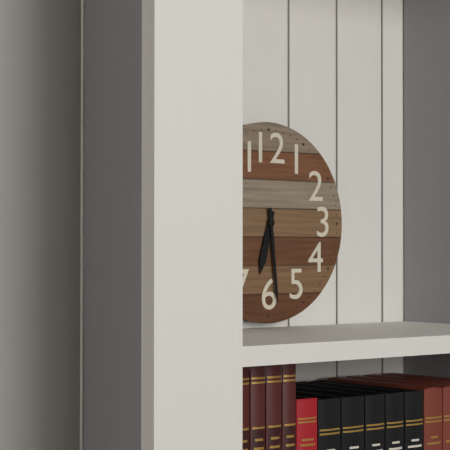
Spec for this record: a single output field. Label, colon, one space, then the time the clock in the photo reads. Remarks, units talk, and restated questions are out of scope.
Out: 6:29
